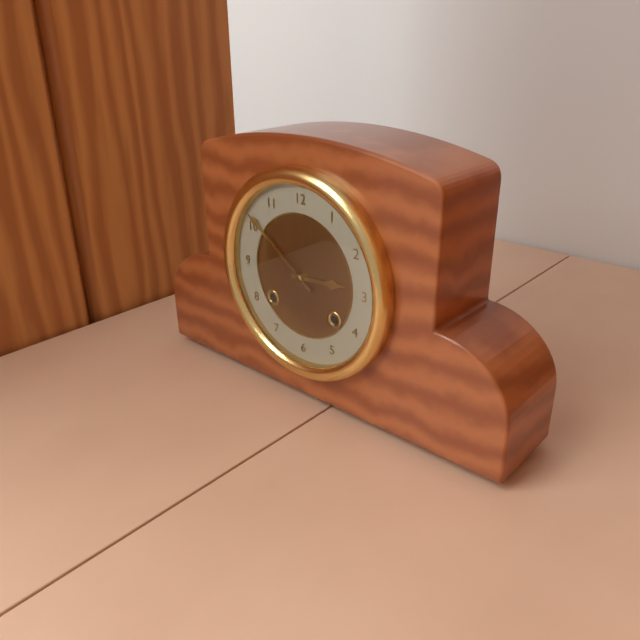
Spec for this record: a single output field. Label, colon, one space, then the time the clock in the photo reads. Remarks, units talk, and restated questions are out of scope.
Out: 2:51
